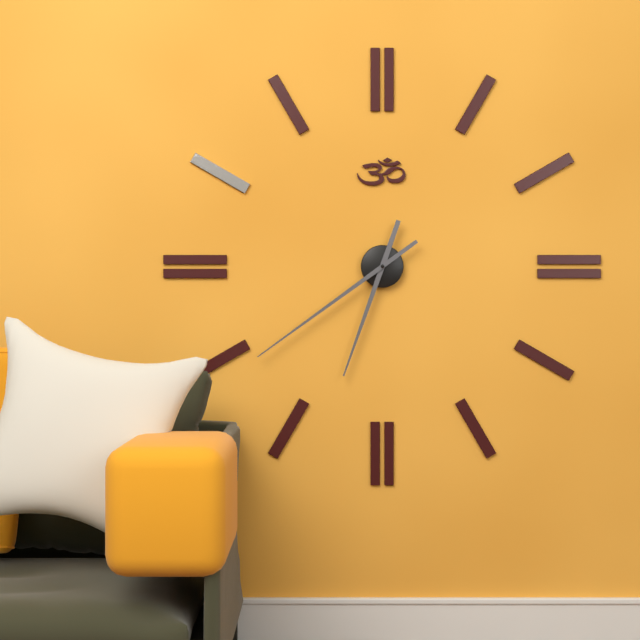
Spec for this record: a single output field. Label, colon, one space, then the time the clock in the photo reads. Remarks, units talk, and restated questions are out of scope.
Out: 6:39
